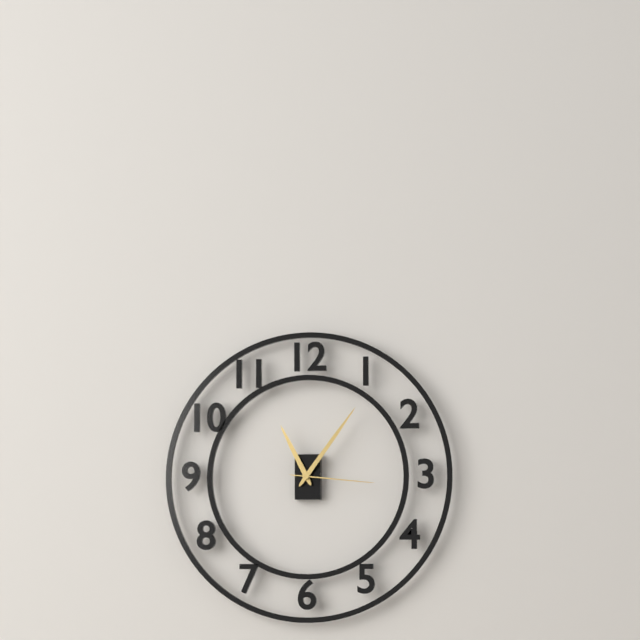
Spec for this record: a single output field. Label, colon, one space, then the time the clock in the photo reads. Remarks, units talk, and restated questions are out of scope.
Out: 11:06:16
